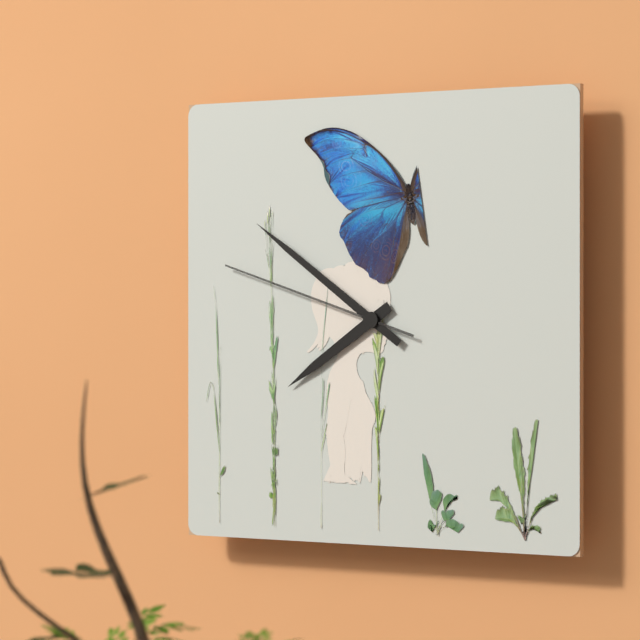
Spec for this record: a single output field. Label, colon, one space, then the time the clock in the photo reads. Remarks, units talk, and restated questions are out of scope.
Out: 7:51:48
